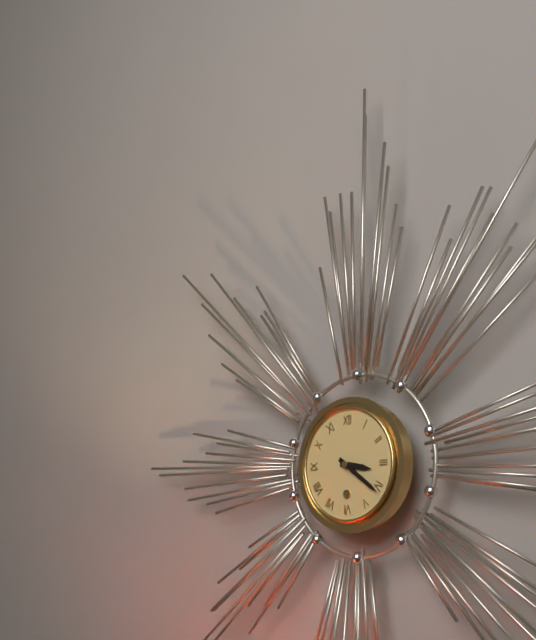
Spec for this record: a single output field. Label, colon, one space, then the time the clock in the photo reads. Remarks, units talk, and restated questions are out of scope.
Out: 3:21
